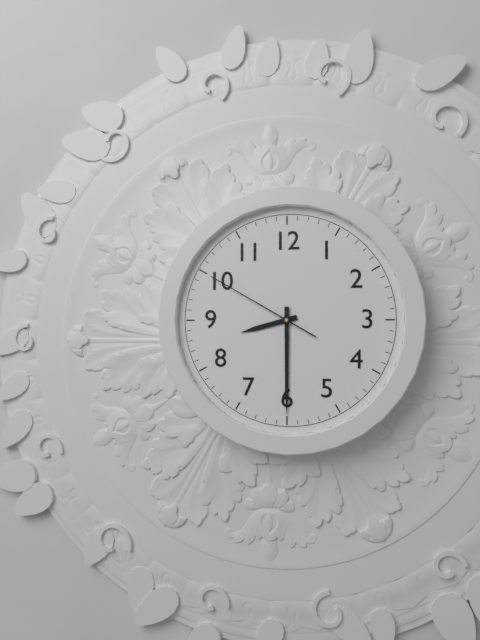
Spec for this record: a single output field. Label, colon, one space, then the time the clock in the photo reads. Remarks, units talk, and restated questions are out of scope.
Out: 8:30:50
